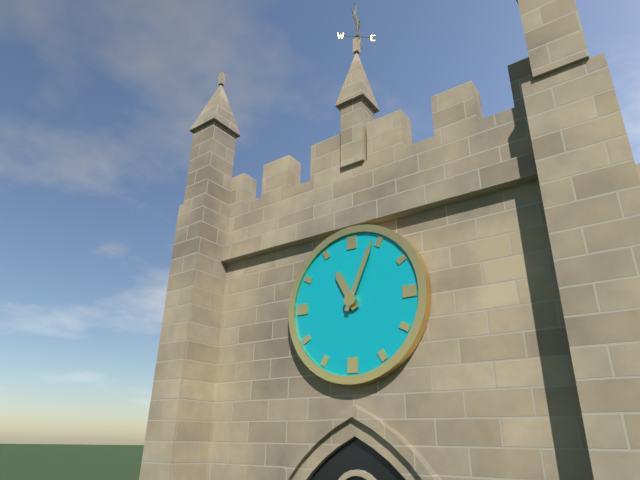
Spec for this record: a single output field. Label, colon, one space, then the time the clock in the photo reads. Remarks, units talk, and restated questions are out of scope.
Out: 11:04
